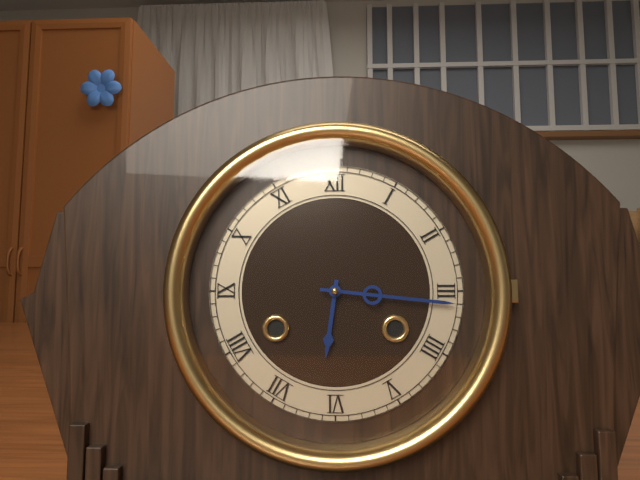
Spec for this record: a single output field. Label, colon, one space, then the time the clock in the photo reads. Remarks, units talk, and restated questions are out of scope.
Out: 6:16
